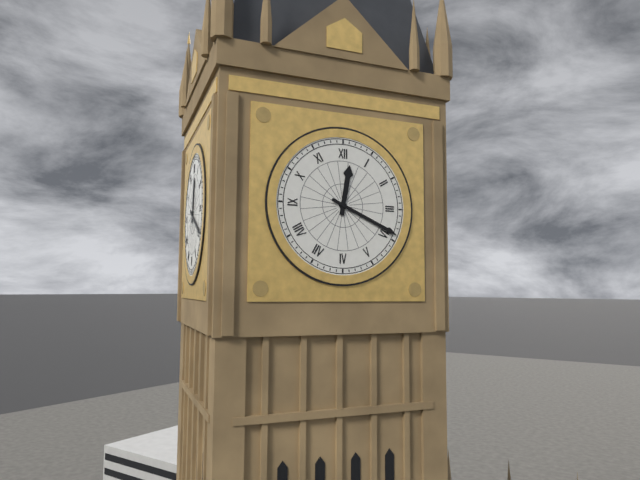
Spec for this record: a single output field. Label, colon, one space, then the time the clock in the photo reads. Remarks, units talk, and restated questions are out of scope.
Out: 12:19
